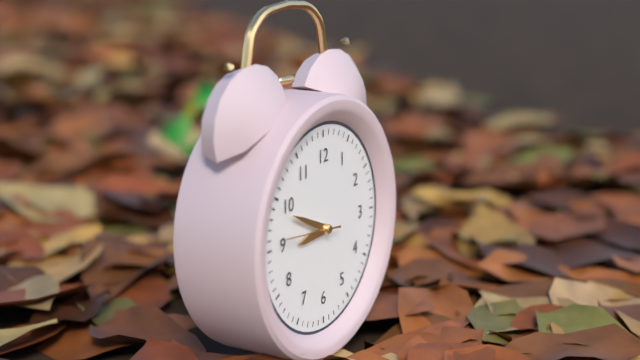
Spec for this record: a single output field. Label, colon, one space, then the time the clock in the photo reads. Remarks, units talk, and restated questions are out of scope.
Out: 8:49:46
